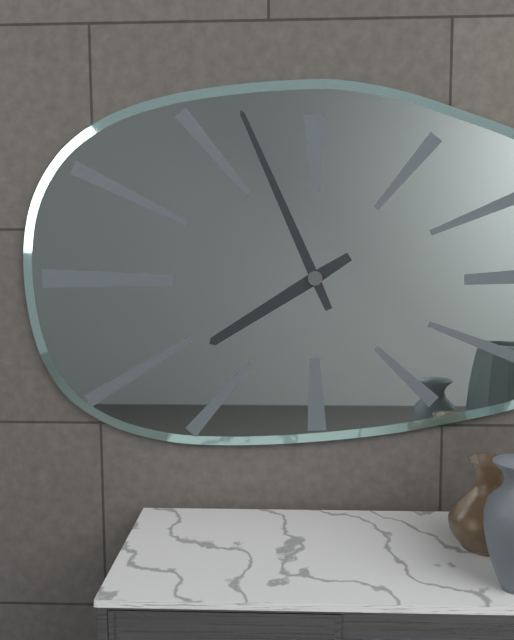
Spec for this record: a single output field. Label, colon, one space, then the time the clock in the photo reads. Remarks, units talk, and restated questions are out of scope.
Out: 7:56
